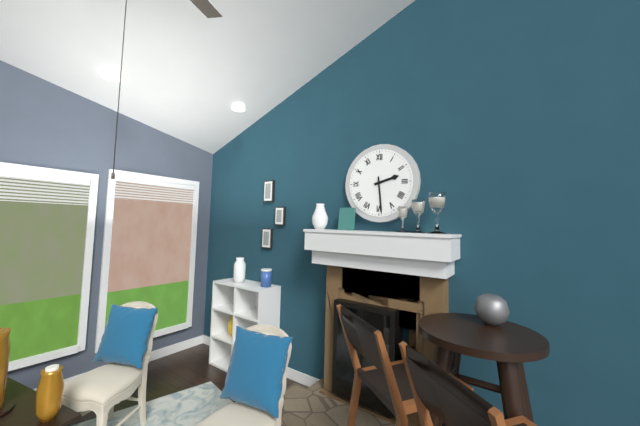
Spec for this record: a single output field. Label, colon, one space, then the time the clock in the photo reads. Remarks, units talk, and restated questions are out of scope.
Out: 2:29
